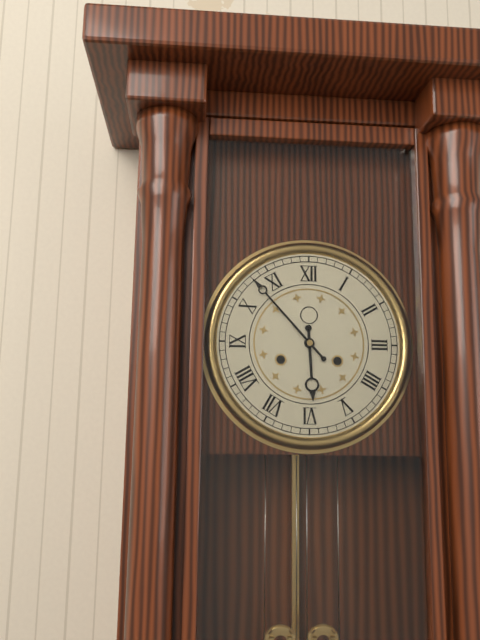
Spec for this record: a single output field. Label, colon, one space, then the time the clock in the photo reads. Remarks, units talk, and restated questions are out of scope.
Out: 5:53
